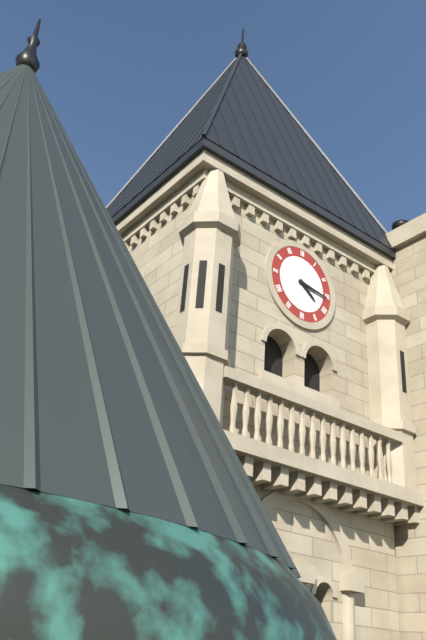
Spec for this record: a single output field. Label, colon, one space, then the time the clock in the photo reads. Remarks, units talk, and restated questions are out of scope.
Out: 4:16
